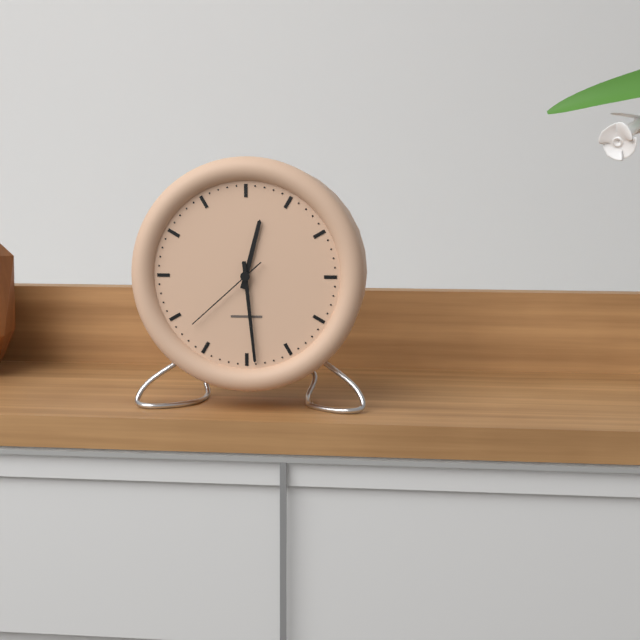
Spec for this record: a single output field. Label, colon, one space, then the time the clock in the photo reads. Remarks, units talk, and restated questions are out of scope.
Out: 12:29:38
